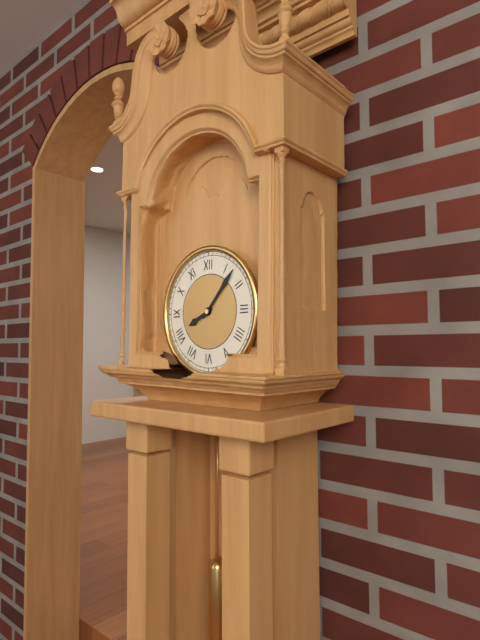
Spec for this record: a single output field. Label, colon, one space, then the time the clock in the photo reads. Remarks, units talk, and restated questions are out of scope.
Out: 8:07
